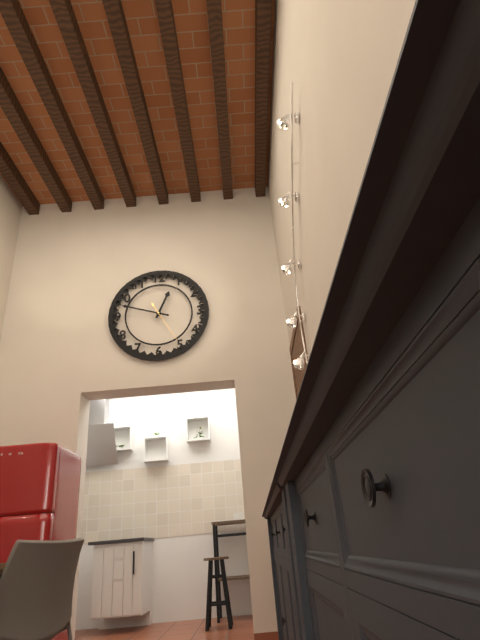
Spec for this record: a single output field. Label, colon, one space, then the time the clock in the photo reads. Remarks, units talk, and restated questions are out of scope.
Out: 12:48
